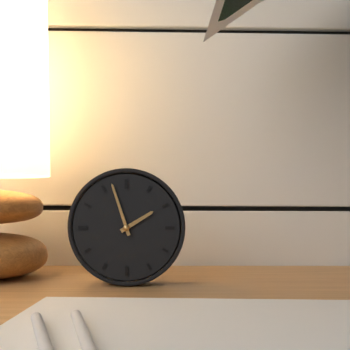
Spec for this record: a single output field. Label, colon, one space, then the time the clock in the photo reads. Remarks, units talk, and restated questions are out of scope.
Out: 1:57
